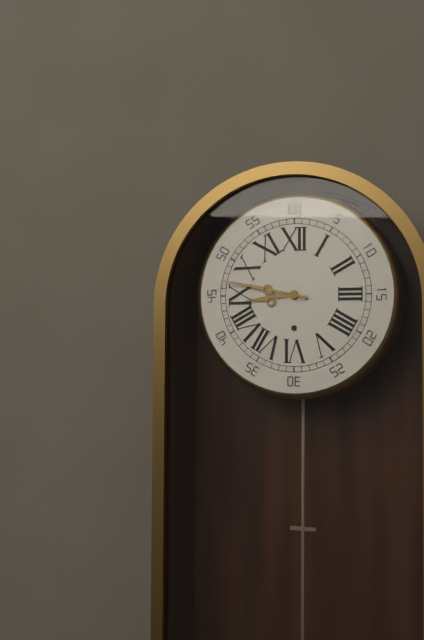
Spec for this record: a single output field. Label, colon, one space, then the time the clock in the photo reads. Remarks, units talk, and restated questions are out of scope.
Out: 8:47
